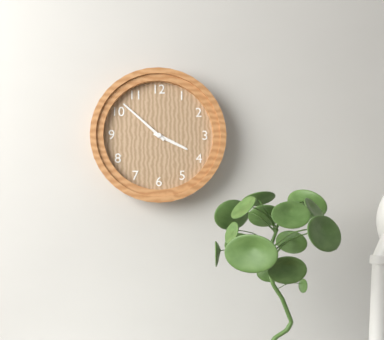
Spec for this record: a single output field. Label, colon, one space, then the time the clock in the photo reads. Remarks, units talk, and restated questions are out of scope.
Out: 3:52
